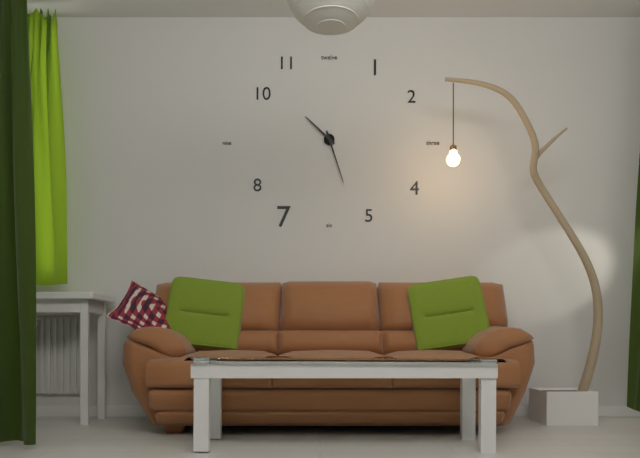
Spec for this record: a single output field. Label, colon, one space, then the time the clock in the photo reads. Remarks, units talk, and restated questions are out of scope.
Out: 10:27
